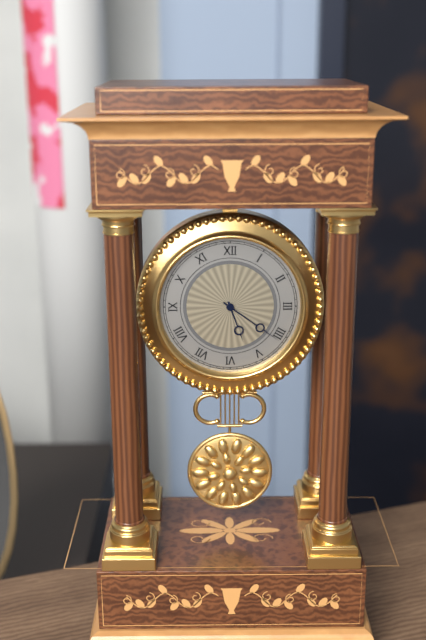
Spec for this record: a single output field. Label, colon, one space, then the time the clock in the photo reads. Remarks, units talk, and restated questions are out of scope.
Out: 5:21
